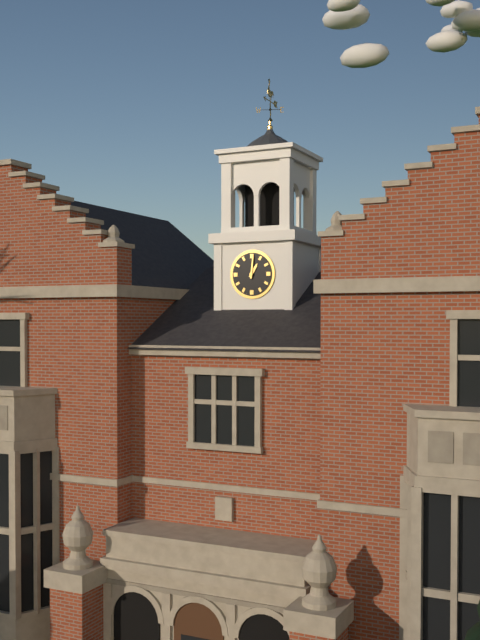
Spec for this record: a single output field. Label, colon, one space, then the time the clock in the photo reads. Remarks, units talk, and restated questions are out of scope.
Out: 1:01
